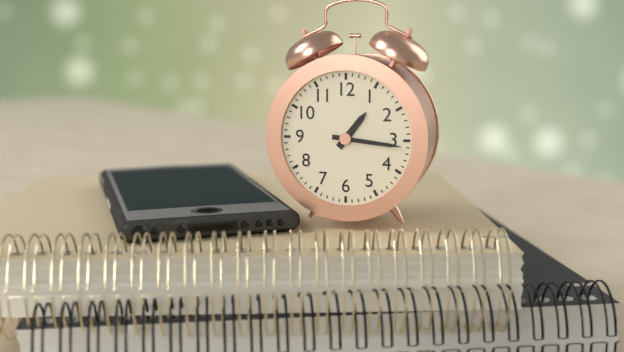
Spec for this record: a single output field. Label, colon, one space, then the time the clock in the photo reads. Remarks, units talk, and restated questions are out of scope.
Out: 1:16
